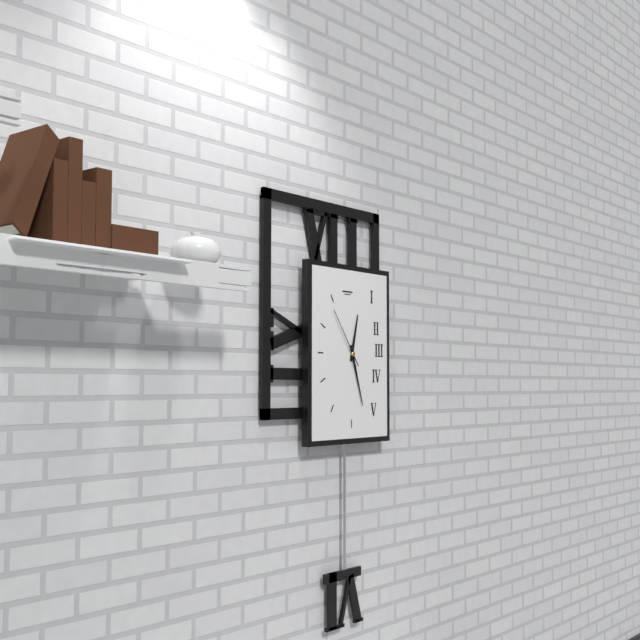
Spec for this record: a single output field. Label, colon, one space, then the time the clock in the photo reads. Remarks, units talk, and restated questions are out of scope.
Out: 12:27:54
